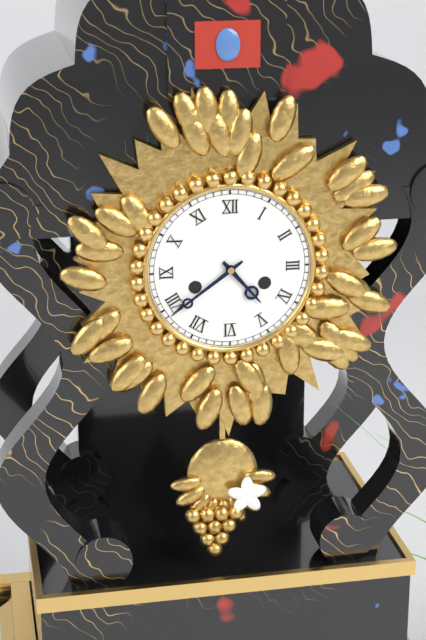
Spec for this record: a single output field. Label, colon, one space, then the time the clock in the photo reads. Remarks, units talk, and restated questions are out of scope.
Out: 4:39
